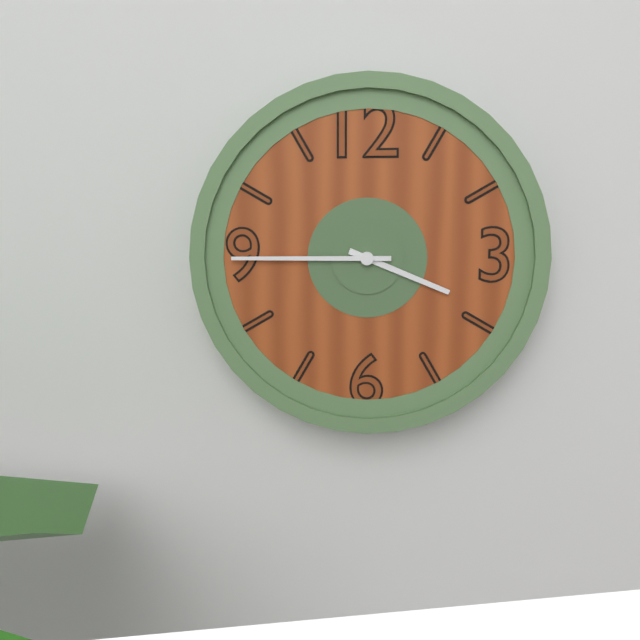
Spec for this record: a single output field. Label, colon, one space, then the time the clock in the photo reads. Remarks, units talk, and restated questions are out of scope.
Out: 3:45
